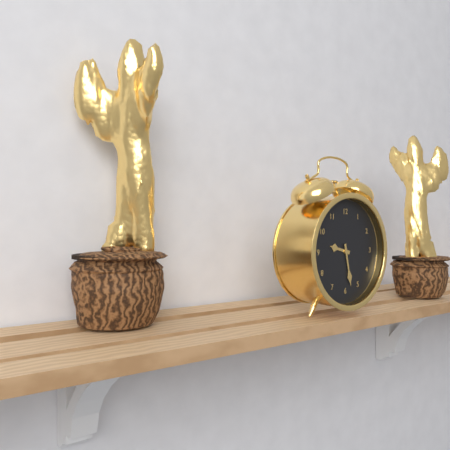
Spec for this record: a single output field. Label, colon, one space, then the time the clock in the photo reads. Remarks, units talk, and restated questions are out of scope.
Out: 9:28
